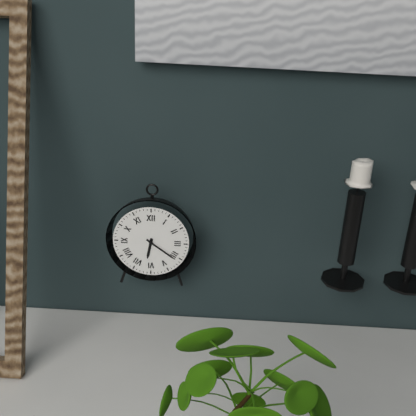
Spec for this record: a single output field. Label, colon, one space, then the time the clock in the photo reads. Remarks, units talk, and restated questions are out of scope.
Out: 6:21
